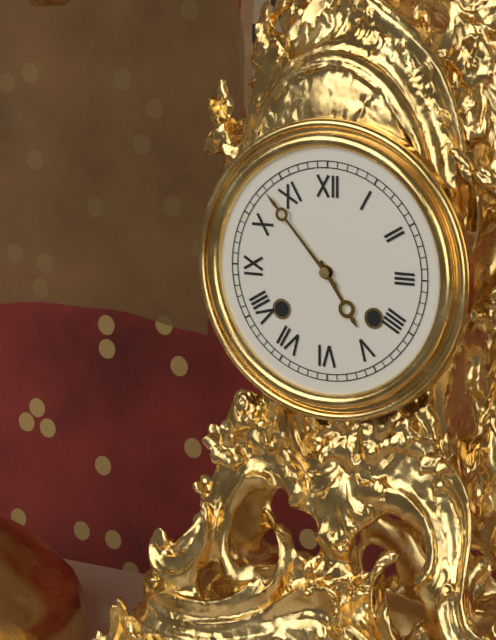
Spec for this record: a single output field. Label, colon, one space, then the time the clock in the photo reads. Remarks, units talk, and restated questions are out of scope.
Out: 4:53
